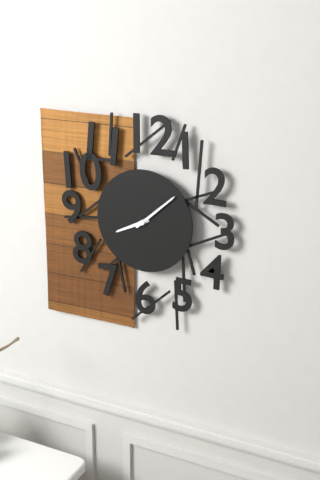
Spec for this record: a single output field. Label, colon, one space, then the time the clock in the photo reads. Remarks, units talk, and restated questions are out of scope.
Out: 8:08
